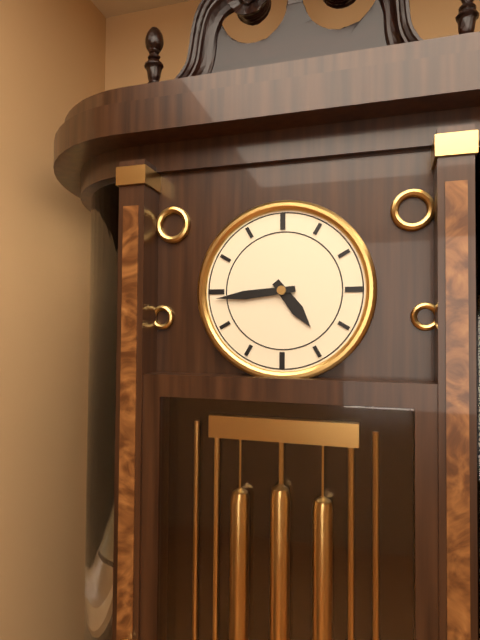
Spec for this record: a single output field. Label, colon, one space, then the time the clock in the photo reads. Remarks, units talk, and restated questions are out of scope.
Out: 4:44
